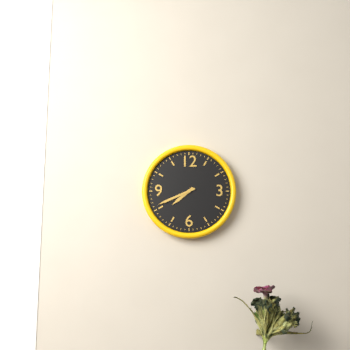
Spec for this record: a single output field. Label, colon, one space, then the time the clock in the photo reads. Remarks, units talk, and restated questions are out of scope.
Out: 7:41
